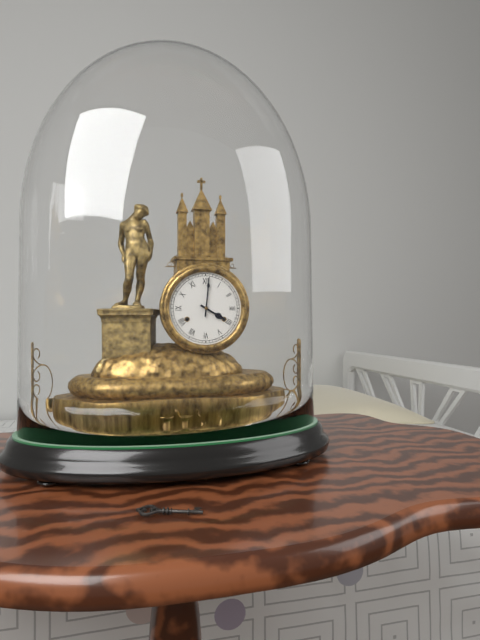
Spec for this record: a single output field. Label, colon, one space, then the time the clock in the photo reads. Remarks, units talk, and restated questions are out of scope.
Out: 4:01
